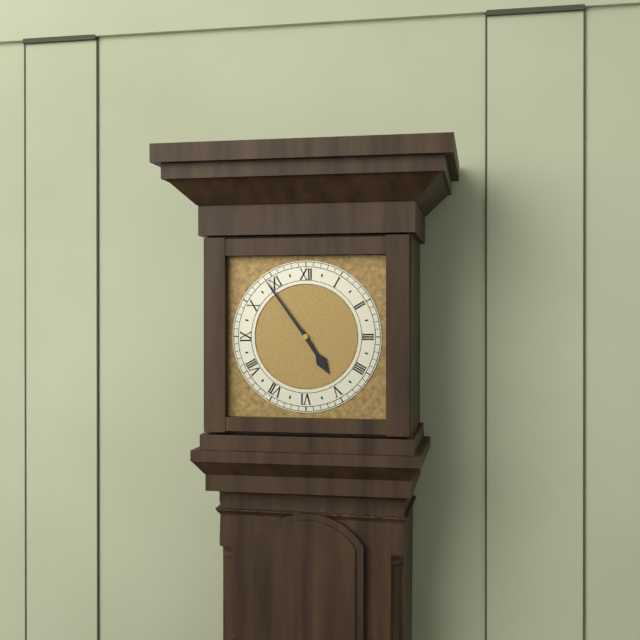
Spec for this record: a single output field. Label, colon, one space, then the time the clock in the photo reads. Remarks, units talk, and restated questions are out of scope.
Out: 4:54
